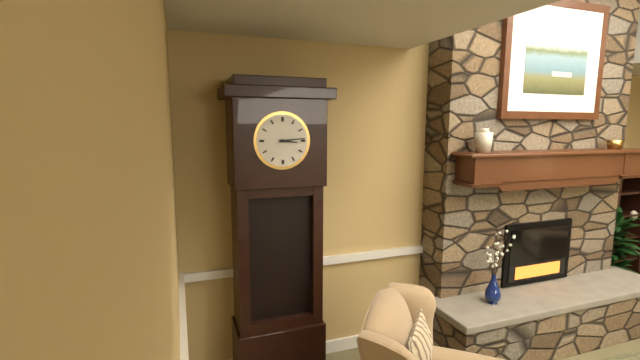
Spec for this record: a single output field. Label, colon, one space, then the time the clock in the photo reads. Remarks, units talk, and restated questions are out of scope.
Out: 3:14
